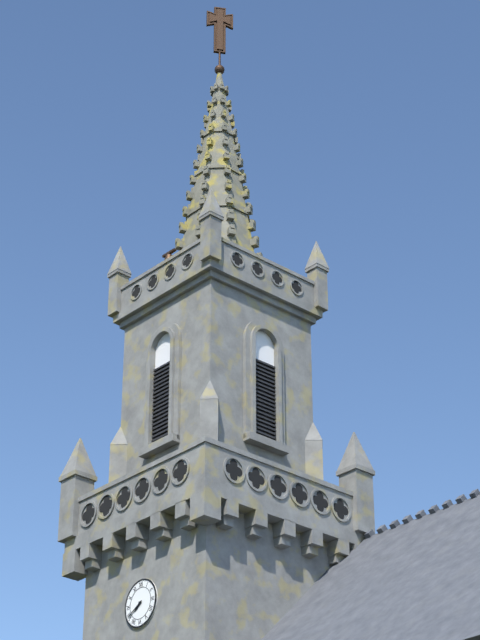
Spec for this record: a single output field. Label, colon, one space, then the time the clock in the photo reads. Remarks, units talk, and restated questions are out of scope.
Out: 7:40
